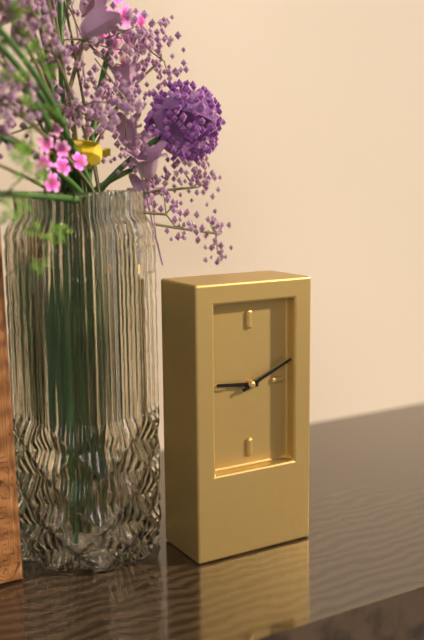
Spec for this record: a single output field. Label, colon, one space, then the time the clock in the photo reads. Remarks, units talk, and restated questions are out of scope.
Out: 9:11
